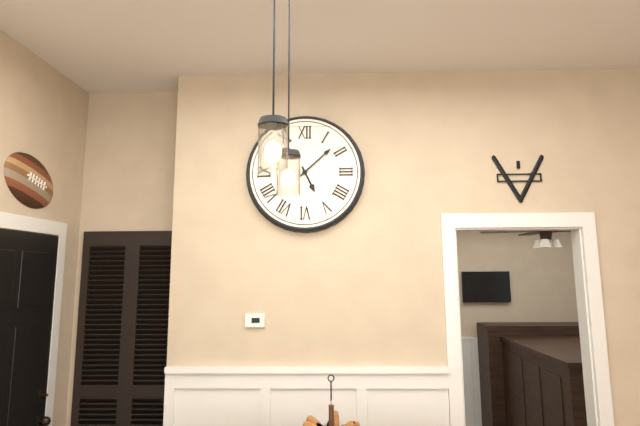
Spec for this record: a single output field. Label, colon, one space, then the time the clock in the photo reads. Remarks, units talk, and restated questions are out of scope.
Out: 5:08
